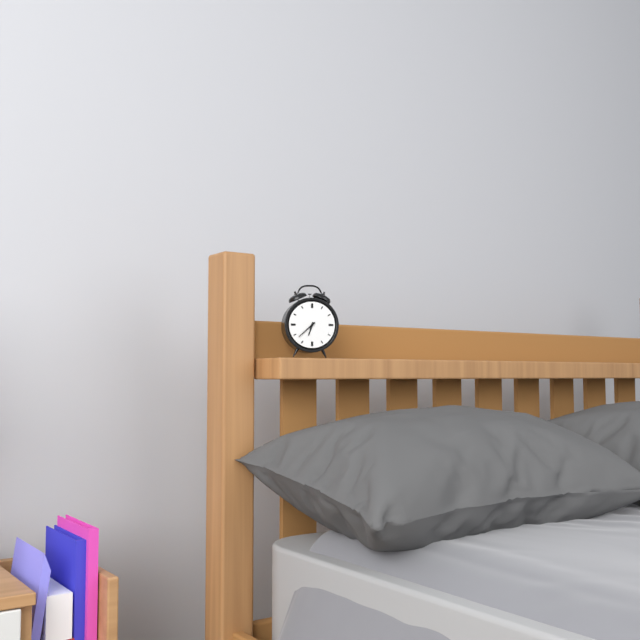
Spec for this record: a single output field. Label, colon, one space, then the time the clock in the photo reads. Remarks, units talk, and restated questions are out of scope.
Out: 6:38
